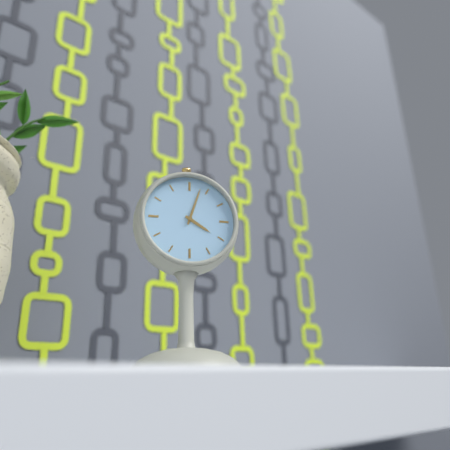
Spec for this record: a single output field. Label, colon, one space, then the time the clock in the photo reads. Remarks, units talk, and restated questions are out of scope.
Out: 4:03
